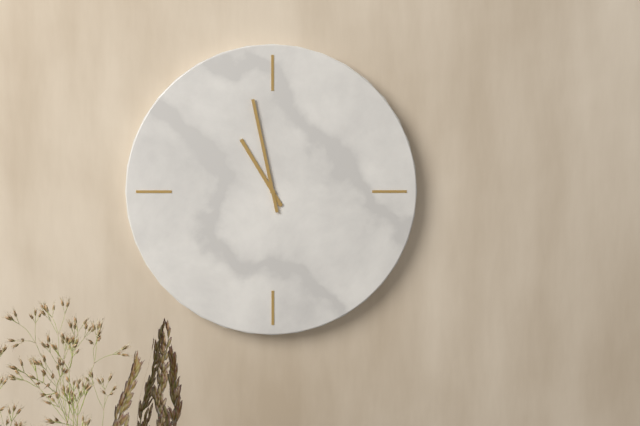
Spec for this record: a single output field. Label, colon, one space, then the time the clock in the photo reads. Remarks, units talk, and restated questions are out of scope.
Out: 10:58
